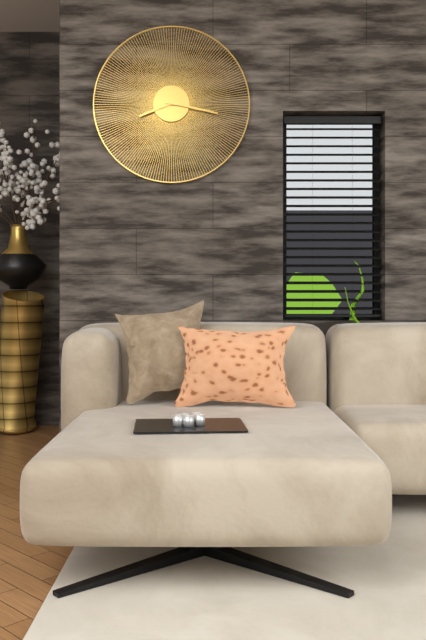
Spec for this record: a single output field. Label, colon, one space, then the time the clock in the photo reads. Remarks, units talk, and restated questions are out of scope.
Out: 8:17
